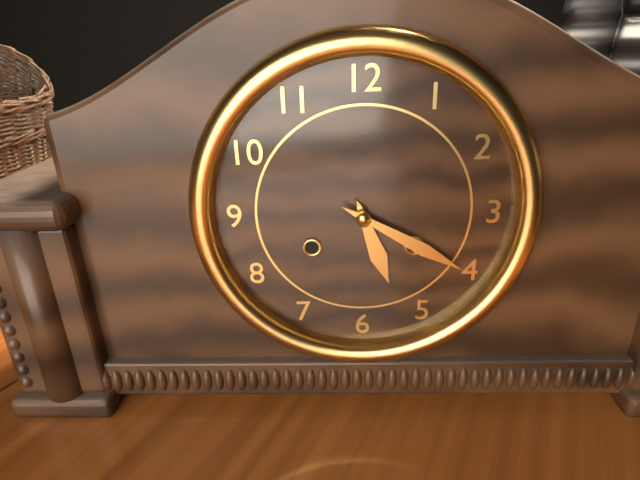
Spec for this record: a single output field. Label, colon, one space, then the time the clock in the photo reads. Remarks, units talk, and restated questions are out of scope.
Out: 5:20
